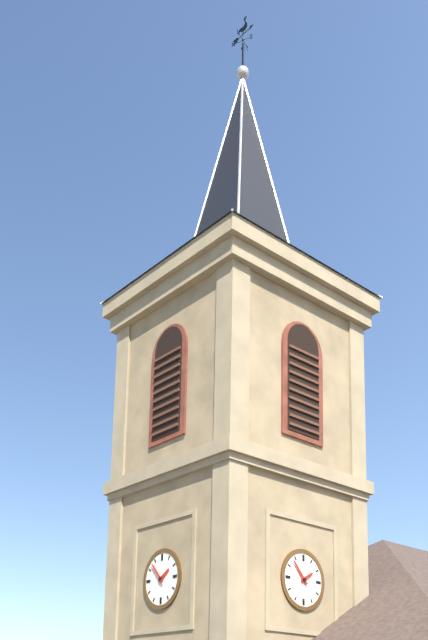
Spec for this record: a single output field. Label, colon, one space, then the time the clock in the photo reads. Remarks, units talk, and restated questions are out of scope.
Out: 1:53
